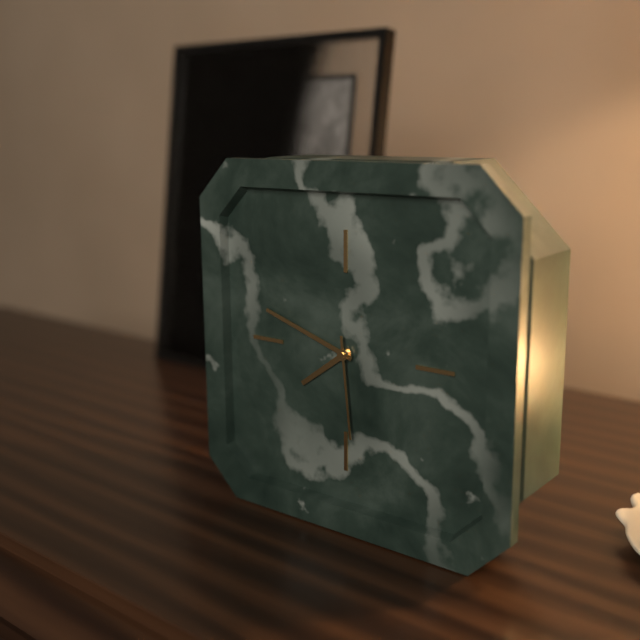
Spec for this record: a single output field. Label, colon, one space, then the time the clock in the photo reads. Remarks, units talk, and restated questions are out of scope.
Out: 7:48:29
